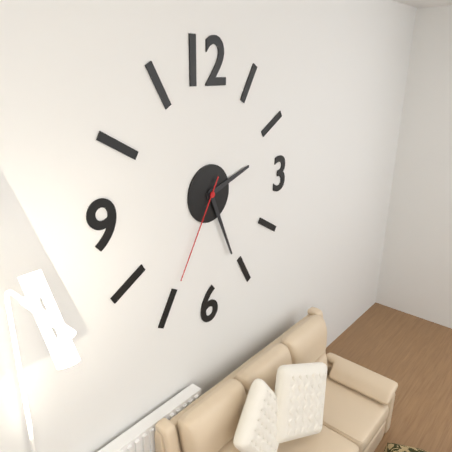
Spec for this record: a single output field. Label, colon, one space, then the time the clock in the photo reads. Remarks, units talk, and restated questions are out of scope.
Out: 2:26:35
